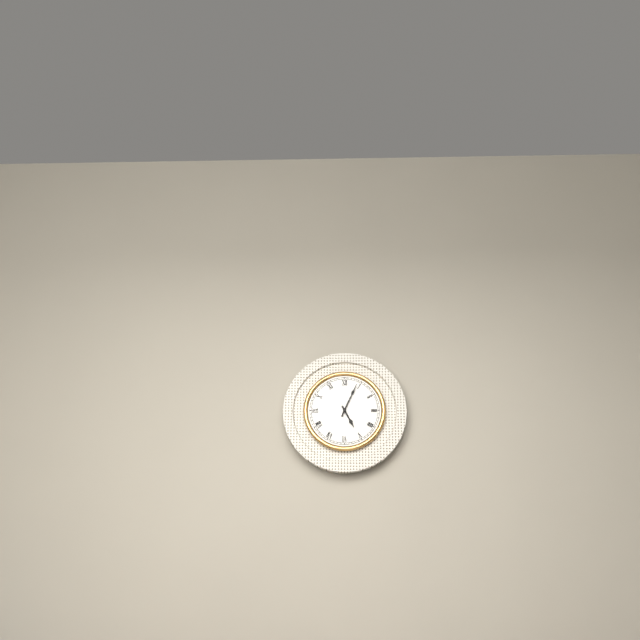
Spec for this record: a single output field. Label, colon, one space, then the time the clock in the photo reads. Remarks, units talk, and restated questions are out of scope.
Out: 5:04
